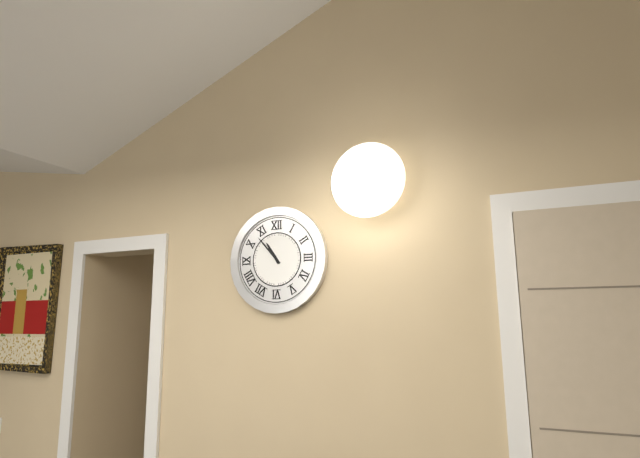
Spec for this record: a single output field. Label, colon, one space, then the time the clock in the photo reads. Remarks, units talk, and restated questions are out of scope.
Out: 10:53
